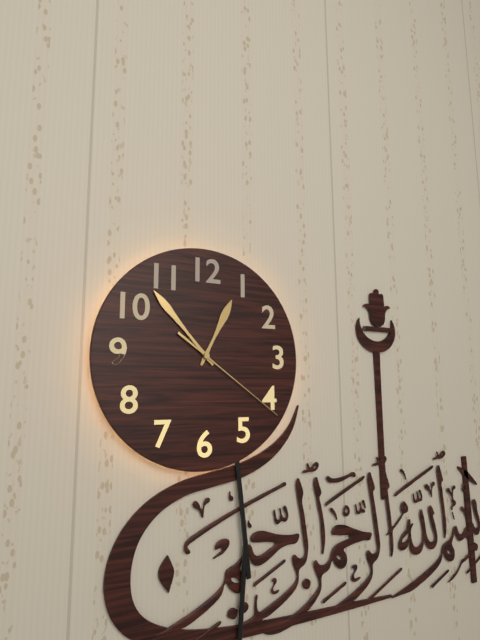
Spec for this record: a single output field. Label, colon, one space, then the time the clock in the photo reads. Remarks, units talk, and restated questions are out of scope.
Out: 12:53:21
